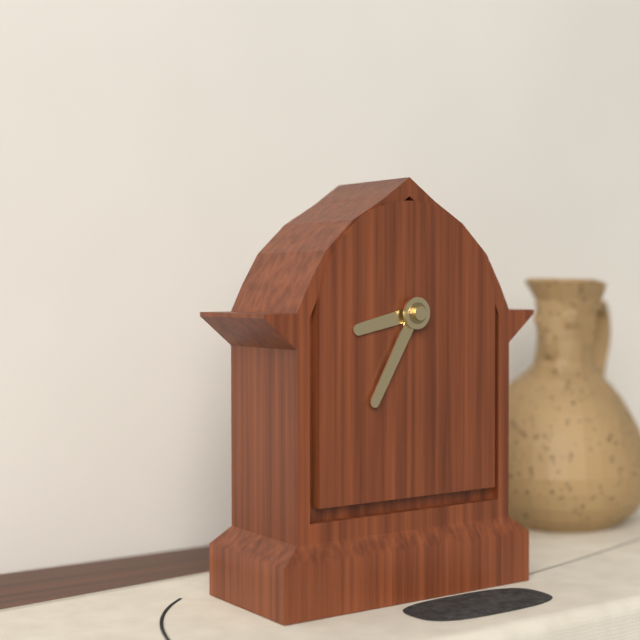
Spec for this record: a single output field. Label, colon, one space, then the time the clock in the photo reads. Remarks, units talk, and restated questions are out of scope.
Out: 8:35
